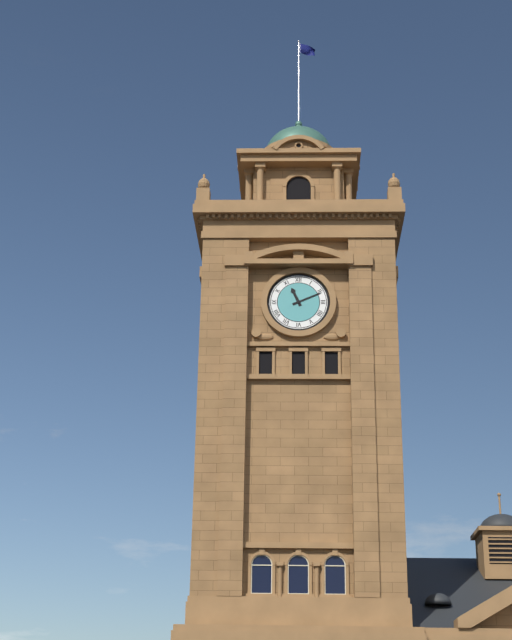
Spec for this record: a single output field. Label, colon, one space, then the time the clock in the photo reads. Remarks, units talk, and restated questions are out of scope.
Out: 11:11
